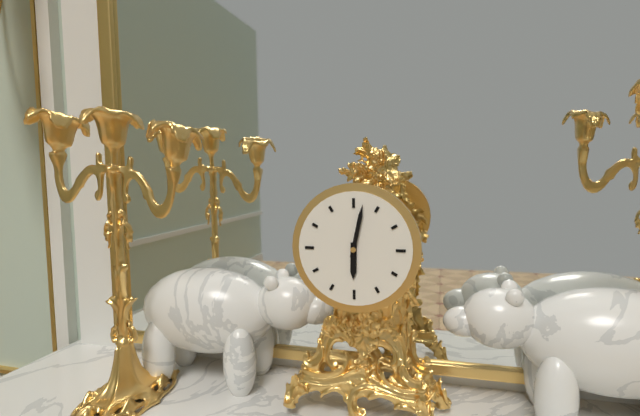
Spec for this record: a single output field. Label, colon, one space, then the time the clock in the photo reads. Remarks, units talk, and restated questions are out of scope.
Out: 6:02
